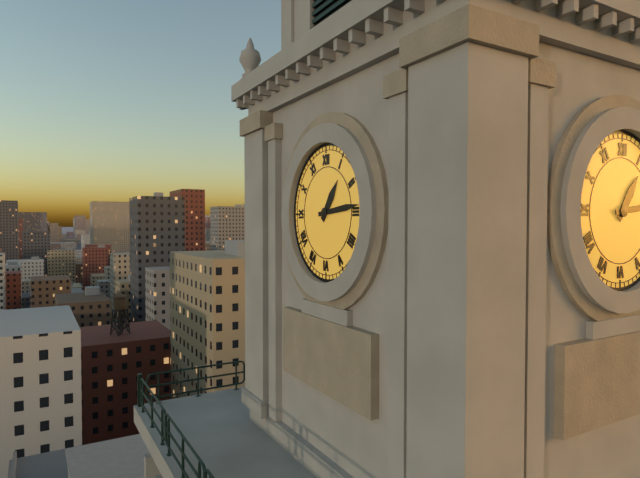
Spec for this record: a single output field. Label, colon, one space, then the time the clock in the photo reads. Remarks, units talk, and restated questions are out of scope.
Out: 1:14
